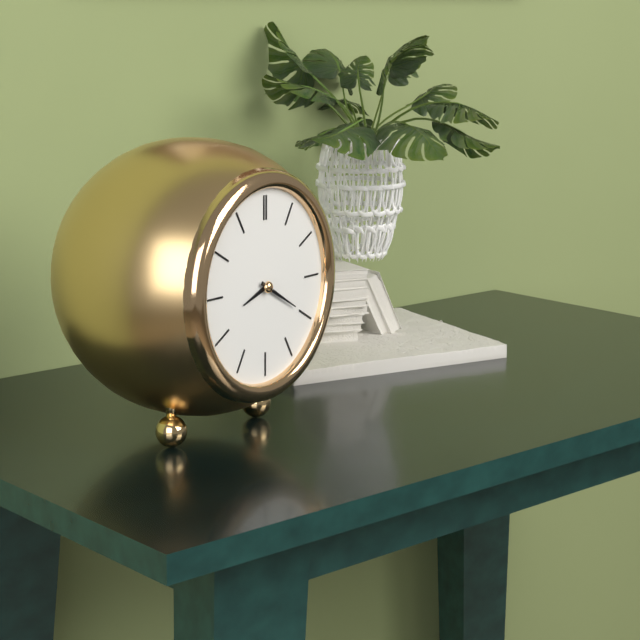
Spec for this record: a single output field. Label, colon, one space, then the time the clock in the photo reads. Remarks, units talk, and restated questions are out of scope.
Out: 8:20
